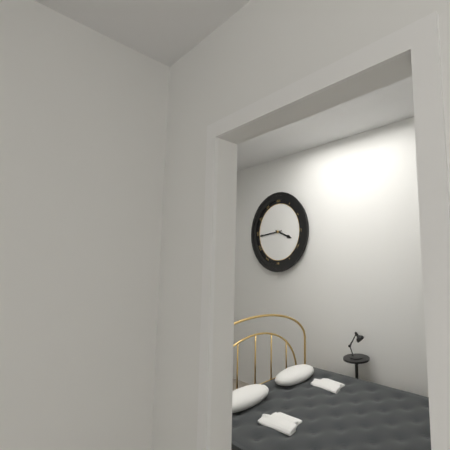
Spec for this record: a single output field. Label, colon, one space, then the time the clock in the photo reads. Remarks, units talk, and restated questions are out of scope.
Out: 3:44
